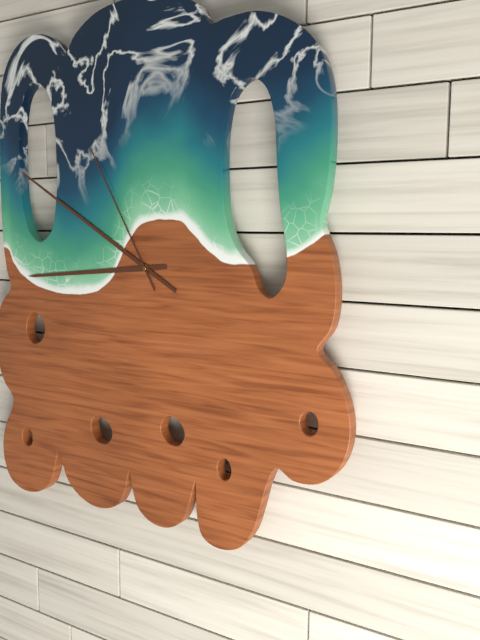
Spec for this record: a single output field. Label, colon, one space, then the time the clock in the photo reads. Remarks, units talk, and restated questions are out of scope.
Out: 8:50:55
